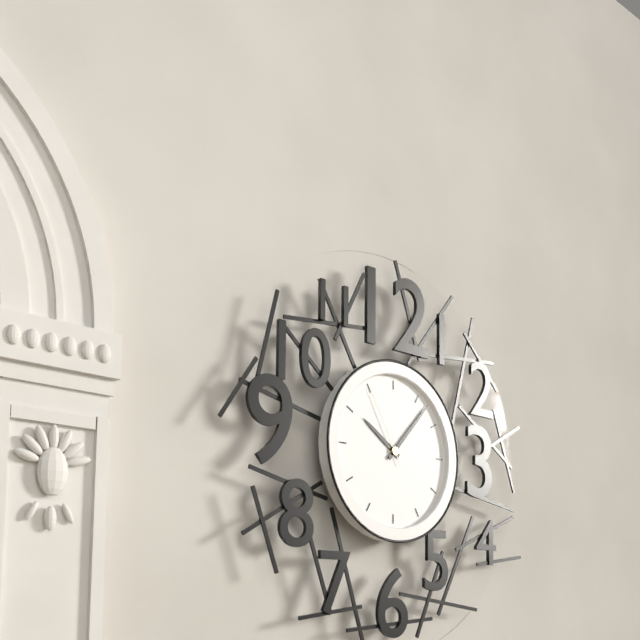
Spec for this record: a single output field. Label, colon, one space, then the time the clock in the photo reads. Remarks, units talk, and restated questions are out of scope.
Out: 10:07:55
